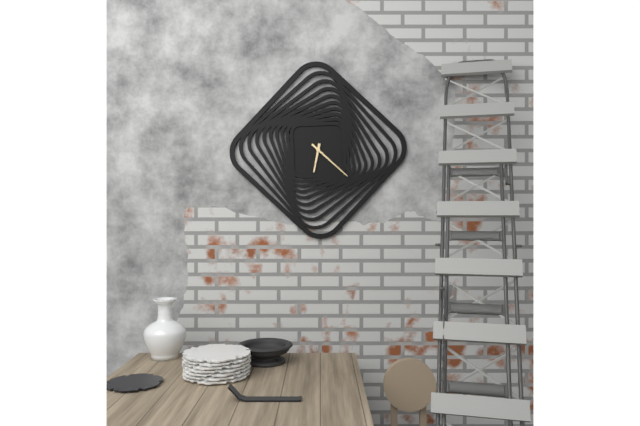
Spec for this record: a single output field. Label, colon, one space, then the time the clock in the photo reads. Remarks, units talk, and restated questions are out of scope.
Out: 6:22
